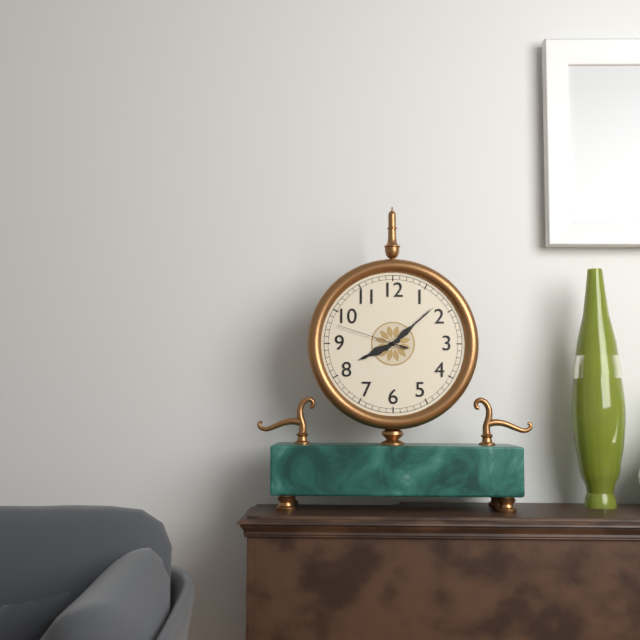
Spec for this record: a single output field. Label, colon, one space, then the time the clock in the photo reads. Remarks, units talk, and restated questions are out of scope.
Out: 8:08:48
